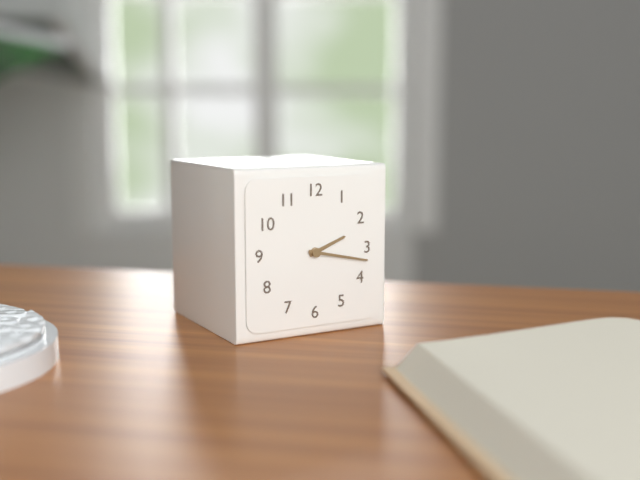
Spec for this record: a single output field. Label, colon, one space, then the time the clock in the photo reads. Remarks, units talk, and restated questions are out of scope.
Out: 2:17
